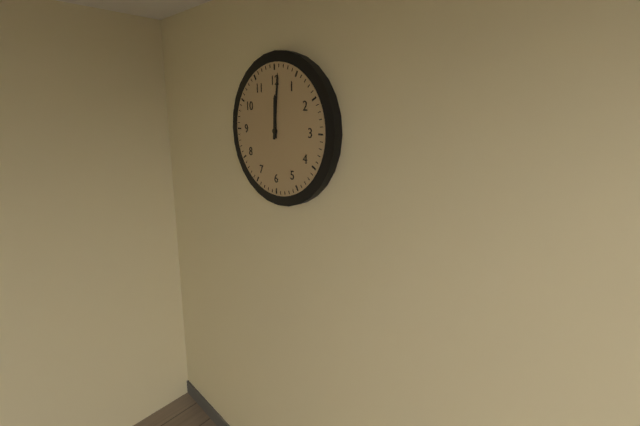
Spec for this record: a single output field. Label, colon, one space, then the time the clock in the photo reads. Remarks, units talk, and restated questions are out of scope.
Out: 12:01
